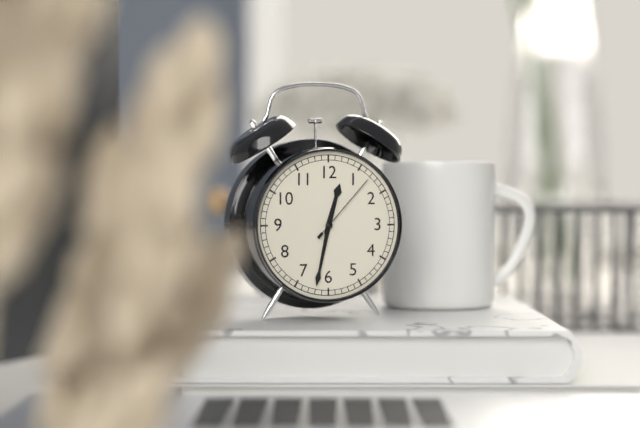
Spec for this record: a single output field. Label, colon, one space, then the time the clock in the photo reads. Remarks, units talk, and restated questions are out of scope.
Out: 12:32:07
